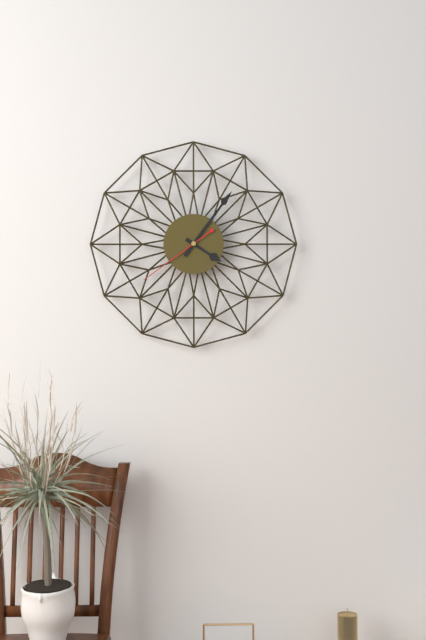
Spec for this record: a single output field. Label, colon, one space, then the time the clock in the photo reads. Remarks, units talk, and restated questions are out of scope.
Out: 4:06:39
